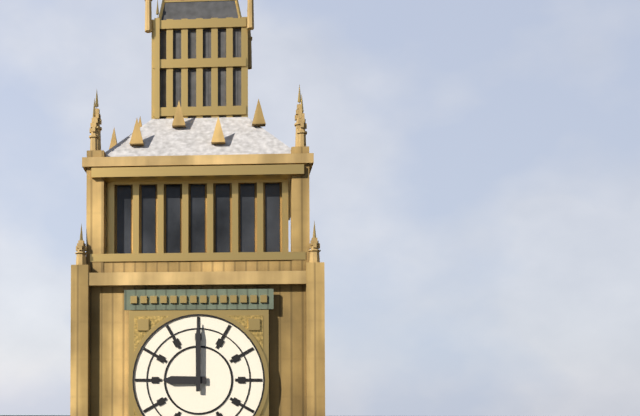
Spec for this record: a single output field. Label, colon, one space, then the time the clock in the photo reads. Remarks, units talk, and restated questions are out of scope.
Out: 9:00
